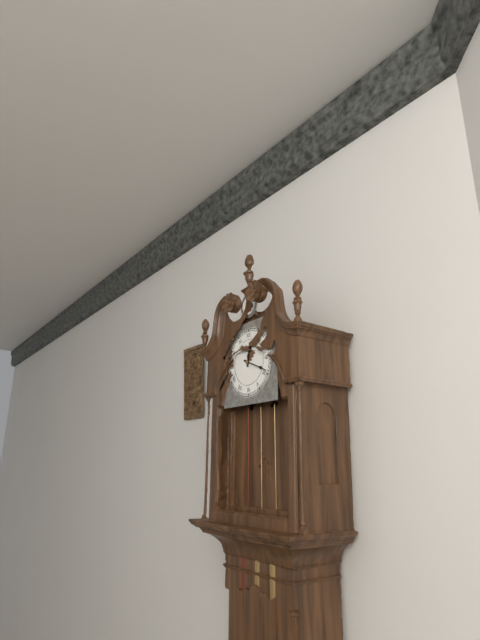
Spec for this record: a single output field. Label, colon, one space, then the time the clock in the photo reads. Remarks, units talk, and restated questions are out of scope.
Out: 12:19
